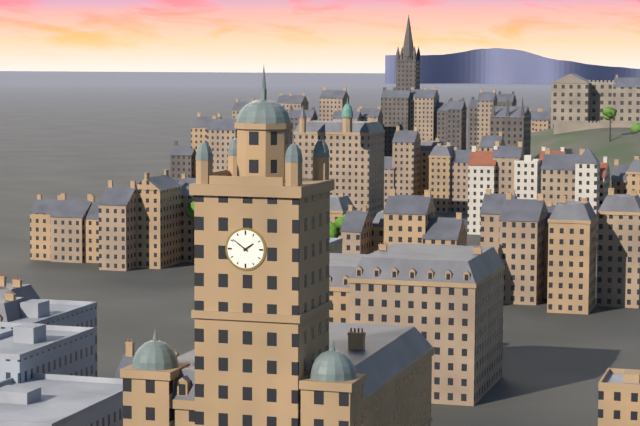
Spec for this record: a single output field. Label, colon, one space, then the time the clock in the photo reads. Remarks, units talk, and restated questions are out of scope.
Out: 1:51
